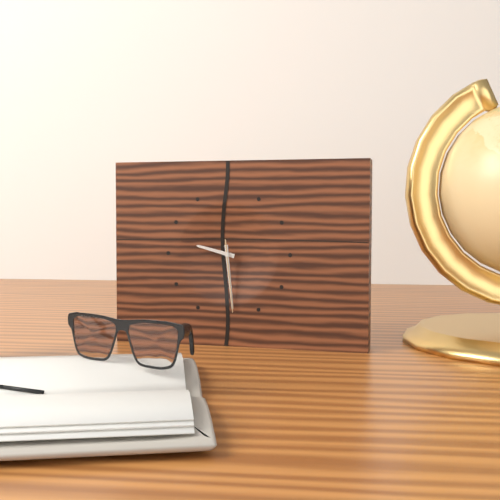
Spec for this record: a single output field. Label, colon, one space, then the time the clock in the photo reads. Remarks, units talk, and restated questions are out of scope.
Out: 9:29:29
